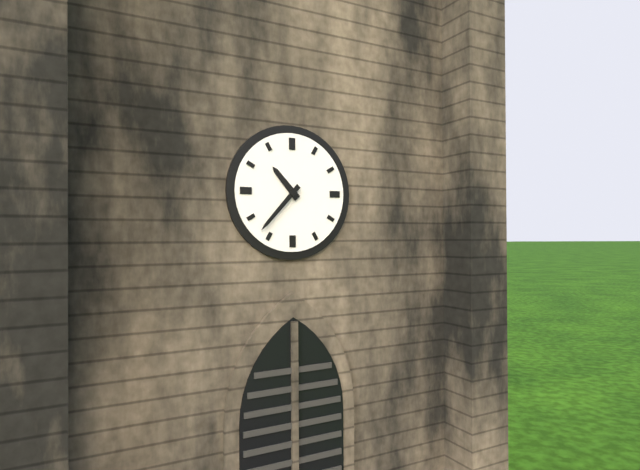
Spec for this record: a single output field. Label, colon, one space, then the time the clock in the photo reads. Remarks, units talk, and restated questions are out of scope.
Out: 10:37
